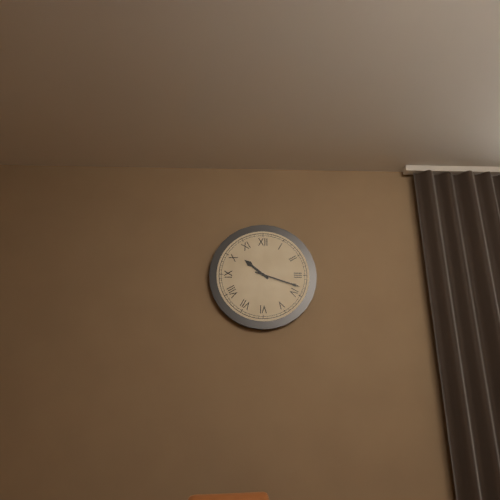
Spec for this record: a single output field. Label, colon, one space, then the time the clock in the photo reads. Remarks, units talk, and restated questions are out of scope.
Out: 10:18
